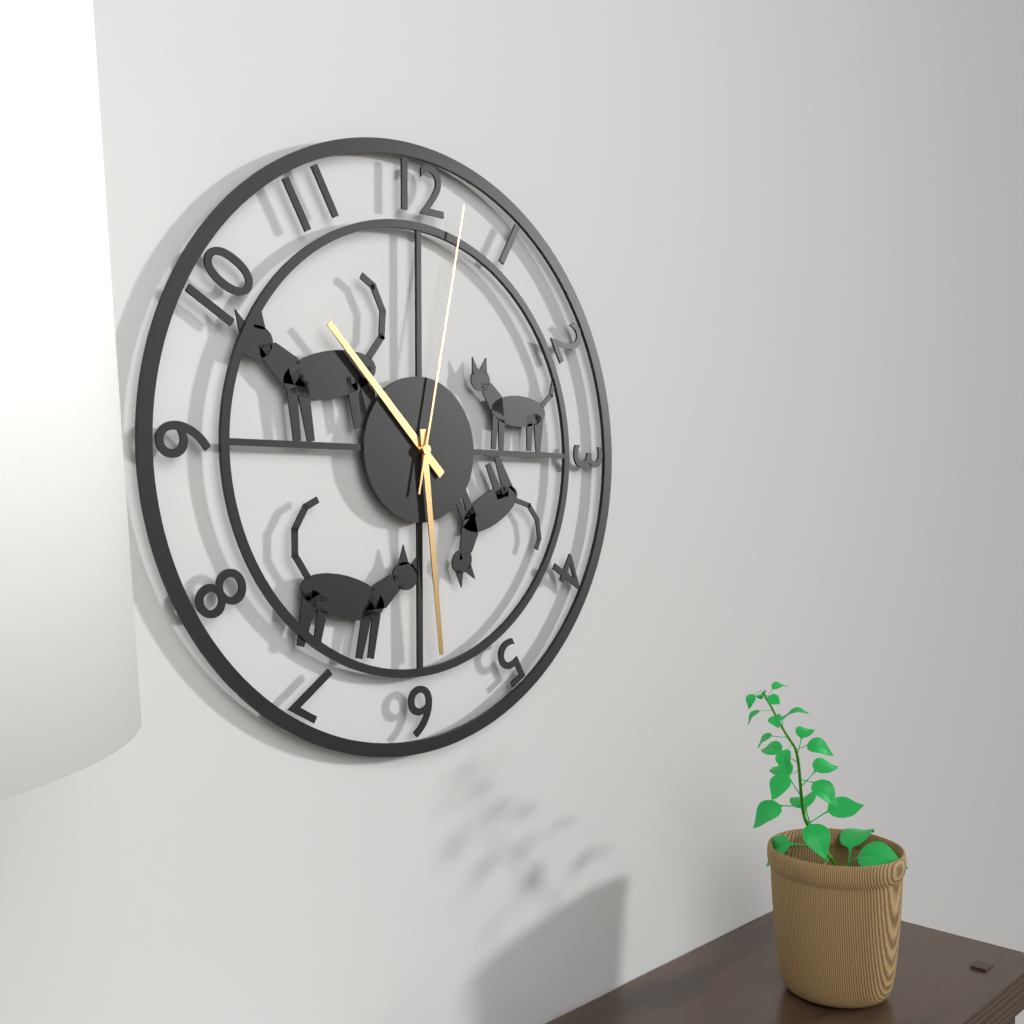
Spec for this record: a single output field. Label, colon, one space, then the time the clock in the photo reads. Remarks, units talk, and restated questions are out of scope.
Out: 10:29:02
